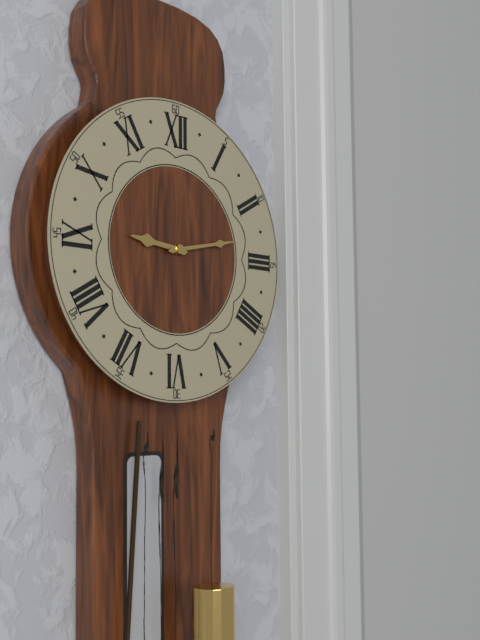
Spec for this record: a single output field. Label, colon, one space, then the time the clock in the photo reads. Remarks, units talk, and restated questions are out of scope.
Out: 9:13
